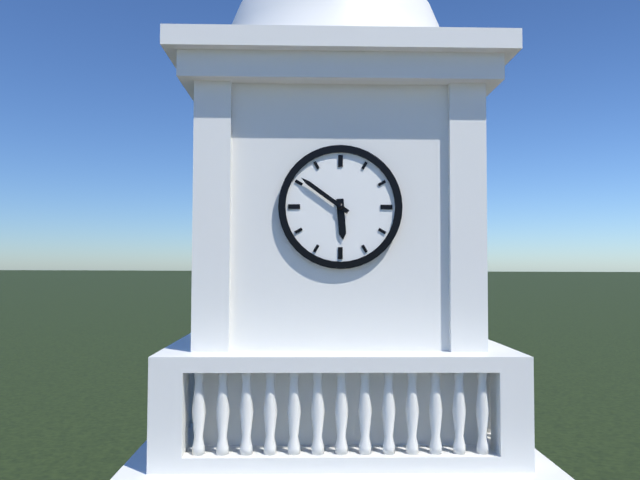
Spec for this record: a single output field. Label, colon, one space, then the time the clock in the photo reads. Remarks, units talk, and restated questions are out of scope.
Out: 5:51
